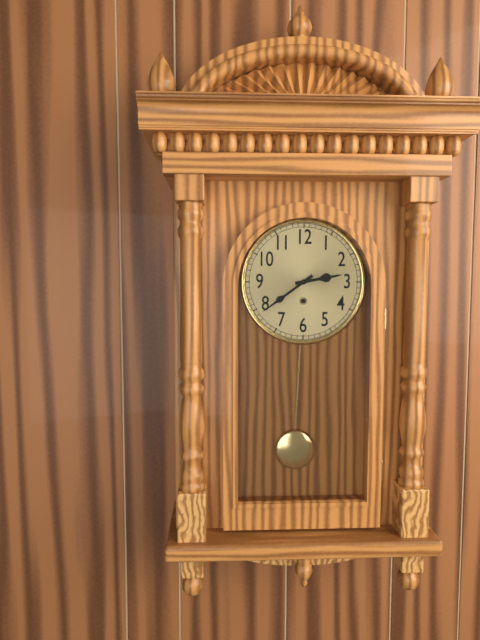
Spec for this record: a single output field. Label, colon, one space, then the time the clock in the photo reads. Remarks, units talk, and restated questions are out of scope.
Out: 2:39
